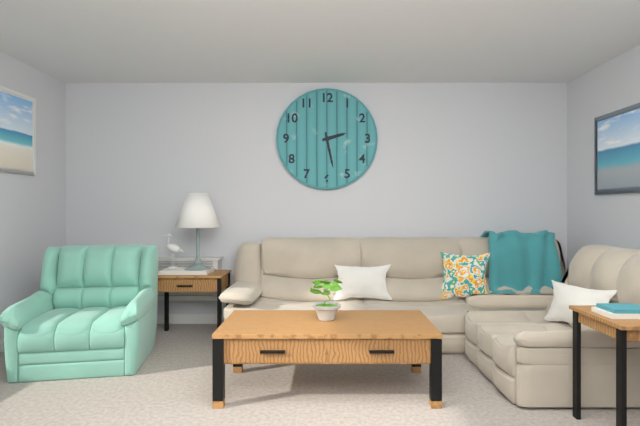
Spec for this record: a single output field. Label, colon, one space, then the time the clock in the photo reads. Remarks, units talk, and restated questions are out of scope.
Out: 2:28
